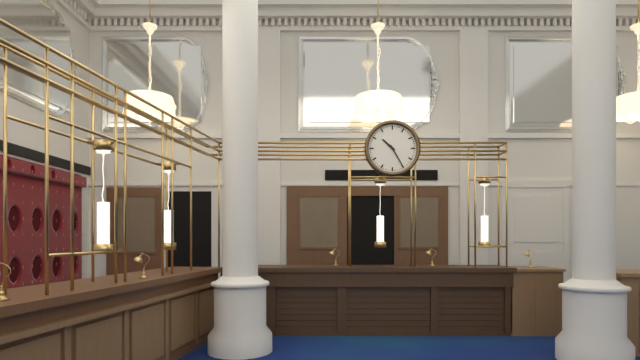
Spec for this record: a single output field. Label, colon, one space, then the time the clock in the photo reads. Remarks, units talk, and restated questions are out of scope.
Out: 10:25
